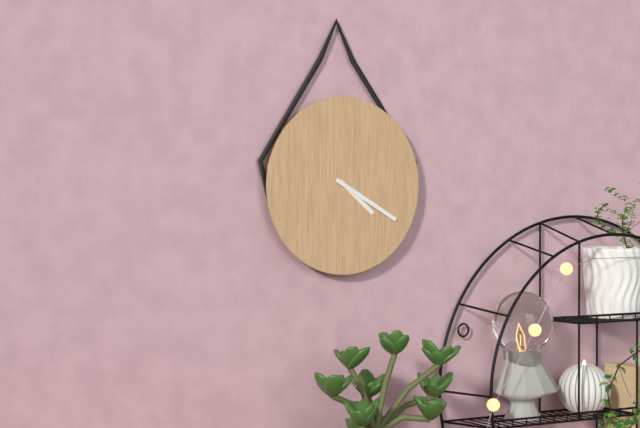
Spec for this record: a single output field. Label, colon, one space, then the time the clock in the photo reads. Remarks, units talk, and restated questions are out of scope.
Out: 4:20
